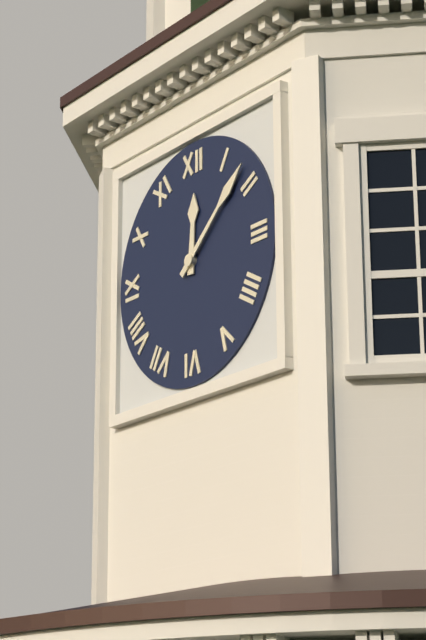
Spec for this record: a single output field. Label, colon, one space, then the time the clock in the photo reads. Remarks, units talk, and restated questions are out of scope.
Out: 12:08
